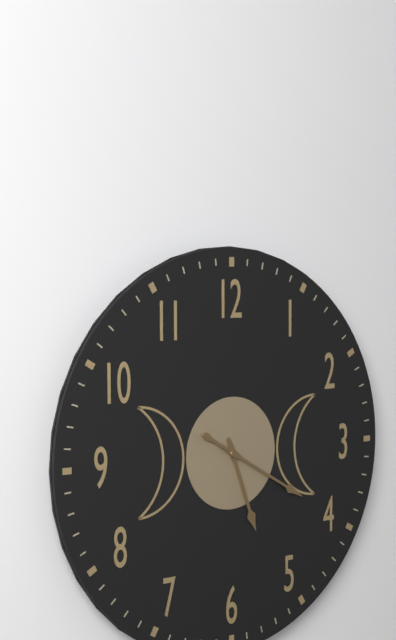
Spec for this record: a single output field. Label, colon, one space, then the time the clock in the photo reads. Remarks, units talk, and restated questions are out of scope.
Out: 5:20
